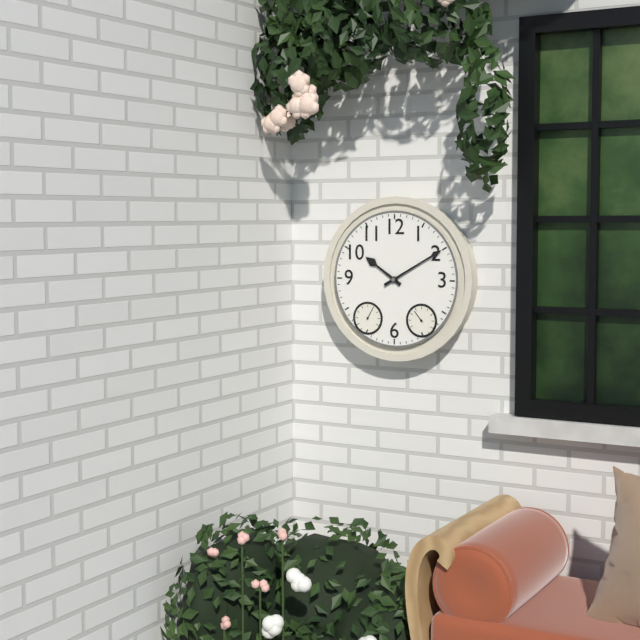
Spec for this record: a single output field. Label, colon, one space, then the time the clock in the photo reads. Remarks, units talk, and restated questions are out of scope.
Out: 10:10
